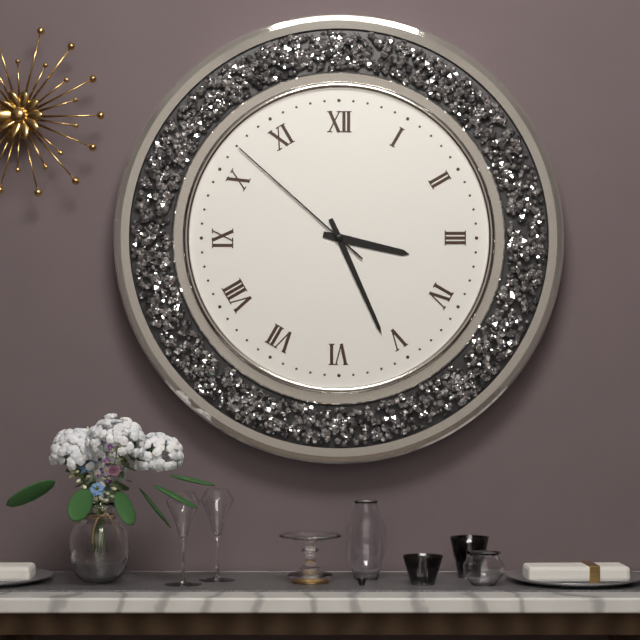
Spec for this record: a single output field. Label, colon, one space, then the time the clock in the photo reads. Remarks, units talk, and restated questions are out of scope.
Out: 3:26:52
